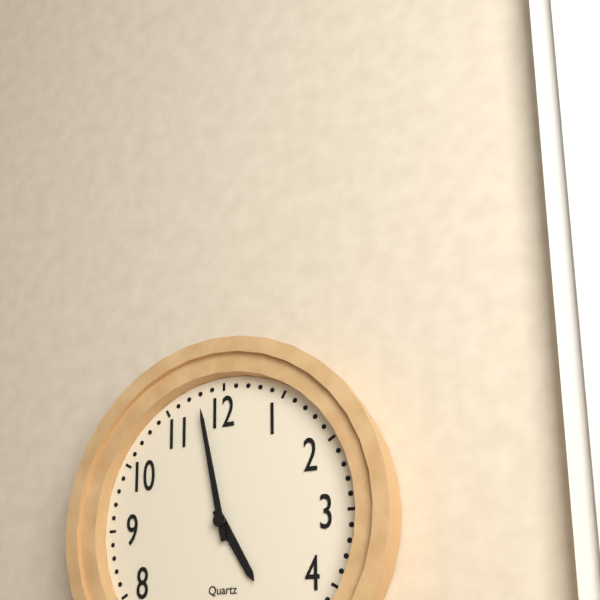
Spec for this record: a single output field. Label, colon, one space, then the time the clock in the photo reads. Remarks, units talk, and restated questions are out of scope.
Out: 4:58
